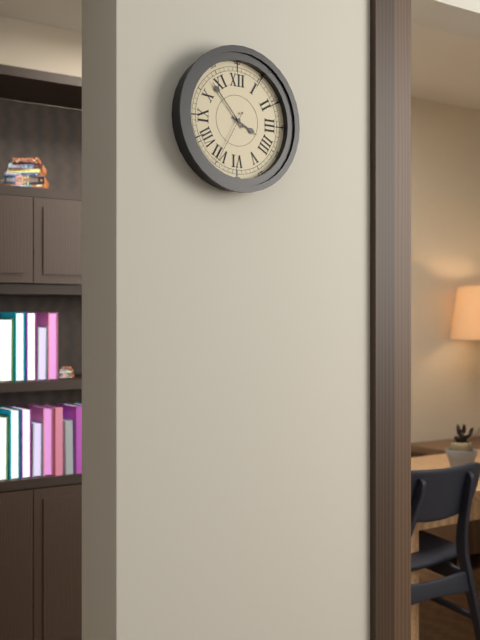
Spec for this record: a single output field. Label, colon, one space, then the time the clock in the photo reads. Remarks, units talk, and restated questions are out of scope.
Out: 3:53:35
